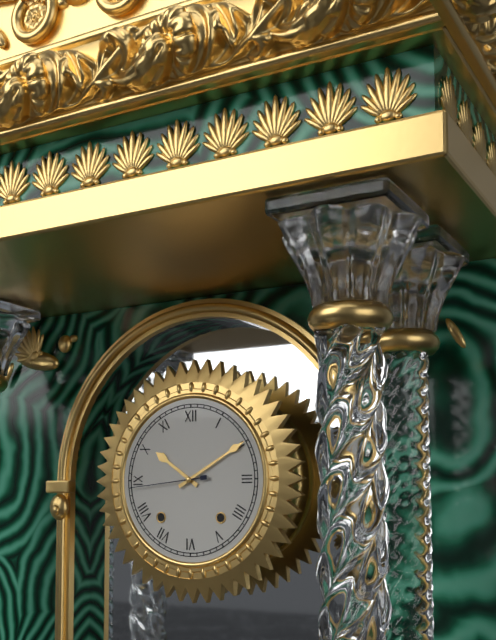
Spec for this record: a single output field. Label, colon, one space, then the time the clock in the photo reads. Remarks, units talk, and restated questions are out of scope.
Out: 10:10:44
